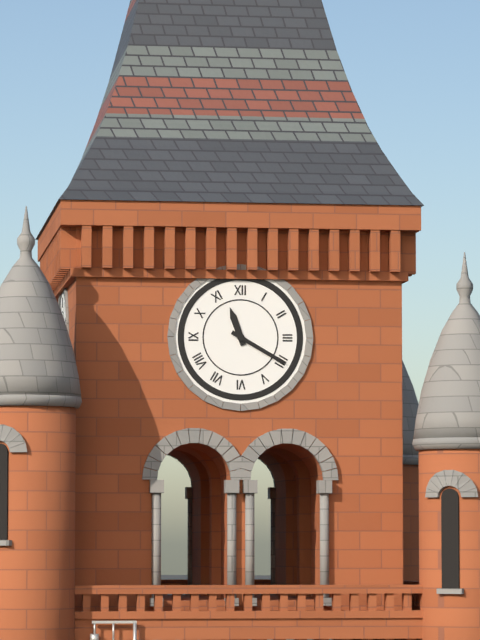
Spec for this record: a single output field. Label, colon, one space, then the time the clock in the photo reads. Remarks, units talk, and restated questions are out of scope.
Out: 11:20
